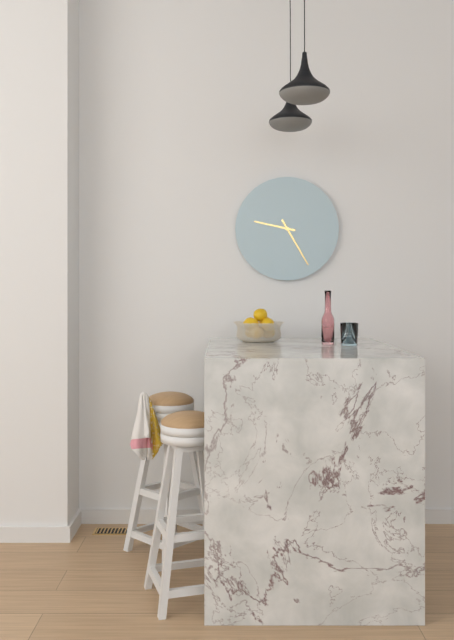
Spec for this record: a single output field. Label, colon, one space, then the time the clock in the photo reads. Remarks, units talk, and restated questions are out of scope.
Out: 9:25
